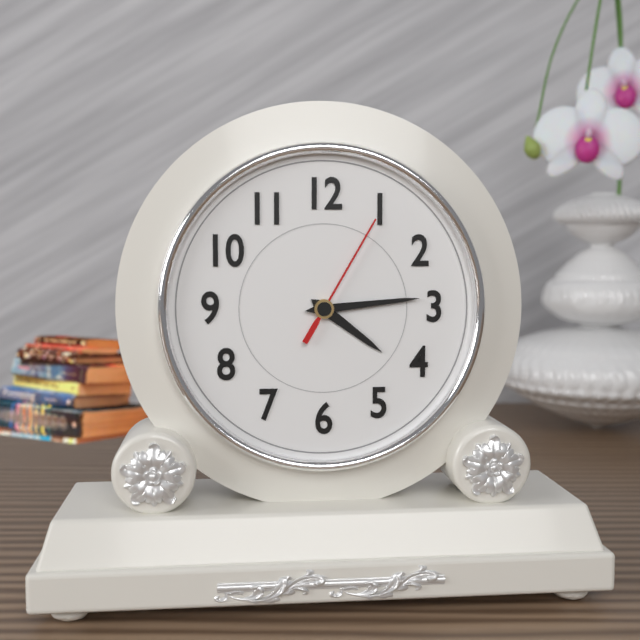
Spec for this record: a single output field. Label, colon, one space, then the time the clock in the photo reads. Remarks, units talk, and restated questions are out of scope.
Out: 4:14:05
